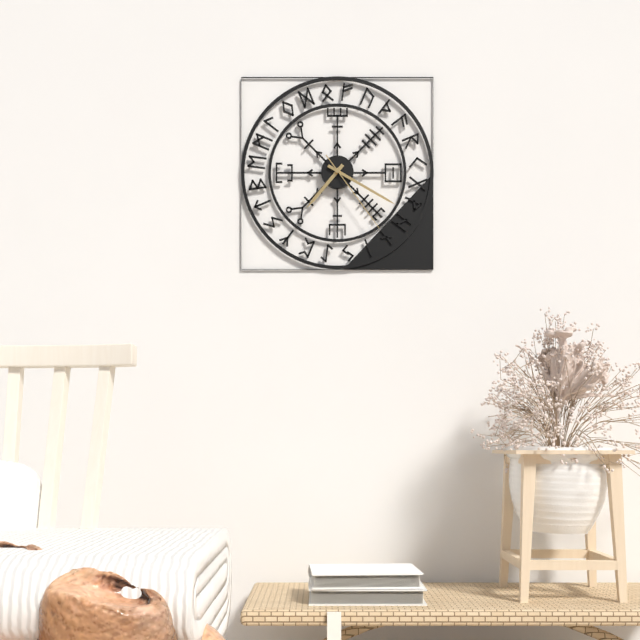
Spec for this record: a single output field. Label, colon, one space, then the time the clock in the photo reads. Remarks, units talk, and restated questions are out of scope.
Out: 7:20:24
